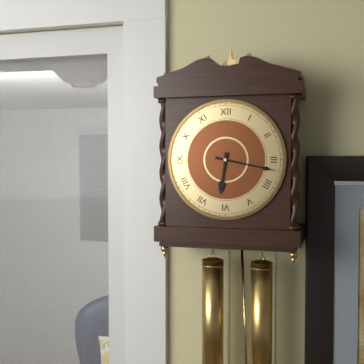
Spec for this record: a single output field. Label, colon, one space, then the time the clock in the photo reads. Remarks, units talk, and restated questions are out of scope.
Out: 6:17
